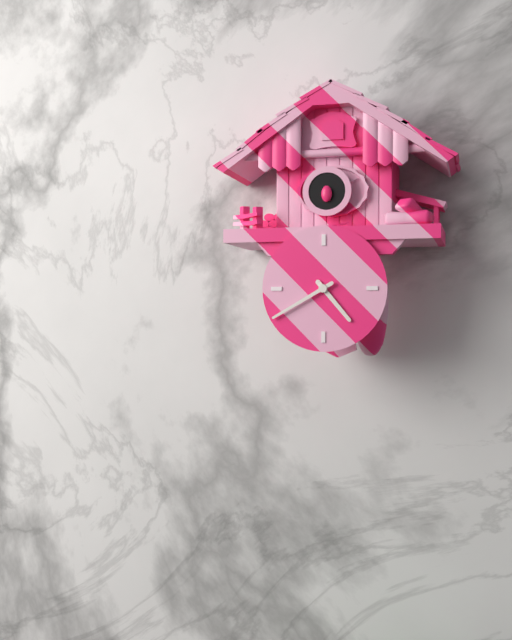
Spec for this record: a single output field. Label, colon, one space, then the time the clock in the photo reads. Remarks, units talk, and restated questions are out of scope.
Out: 4:40
